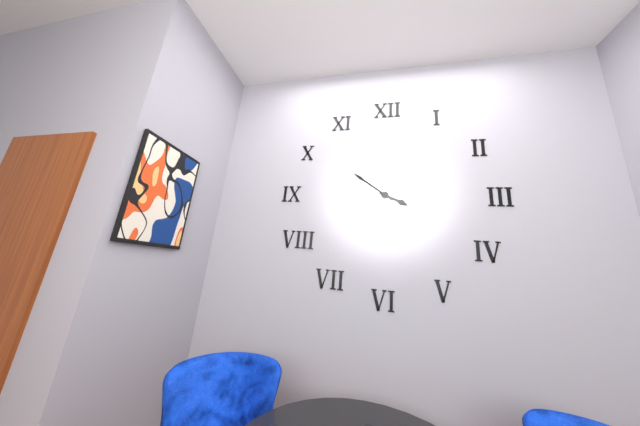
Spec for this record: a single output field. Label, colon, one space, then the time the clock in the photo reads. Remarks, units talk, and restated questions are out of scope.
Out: 3:51
